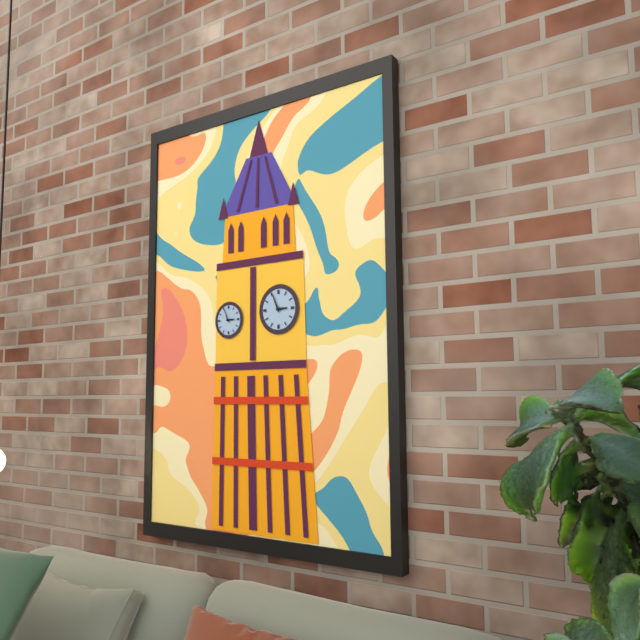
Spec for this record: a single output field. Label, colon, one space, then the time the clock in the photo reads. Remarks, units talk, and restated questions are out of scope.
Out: 2:56
